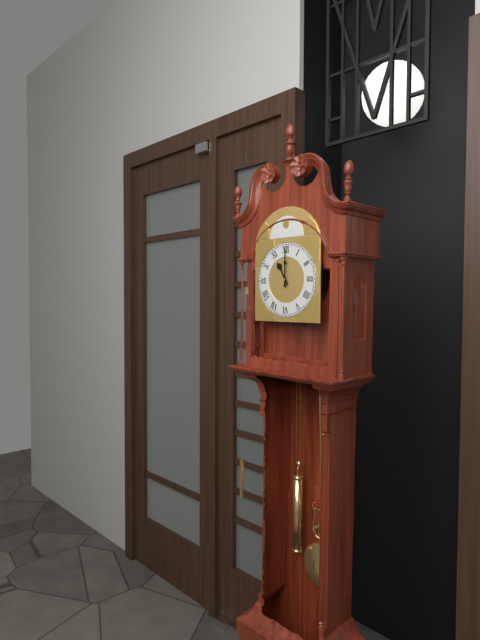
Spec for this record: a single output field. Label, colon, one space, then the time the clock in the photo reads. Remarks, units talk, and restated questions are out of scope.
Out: 11:00
